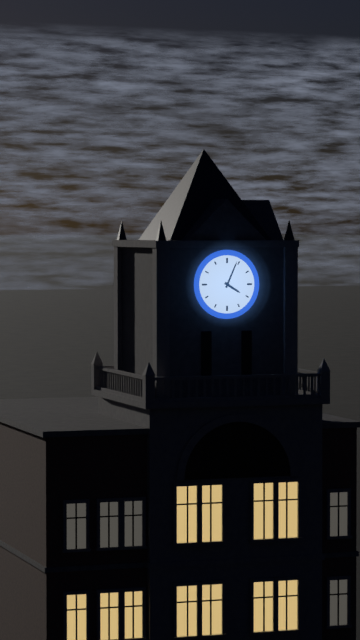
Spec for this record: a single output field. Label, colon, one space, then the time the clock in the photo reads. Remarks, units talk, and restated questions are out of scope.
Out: 4:04
